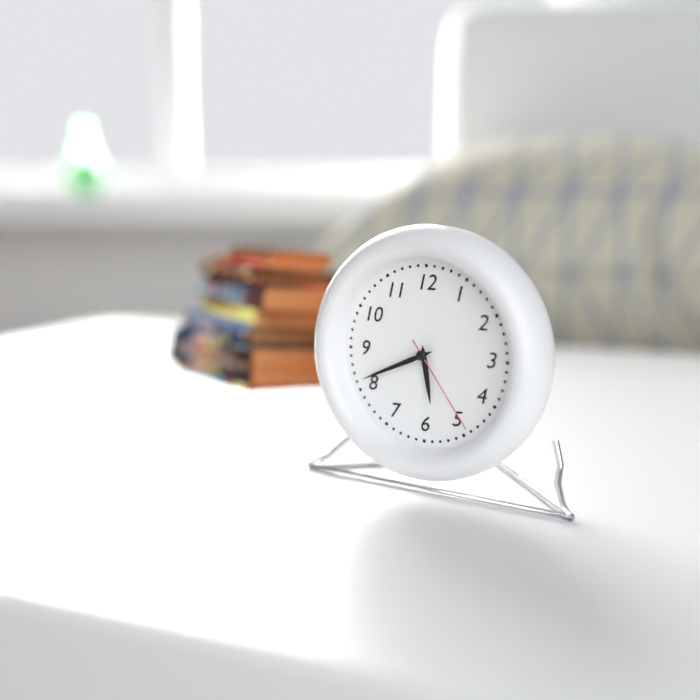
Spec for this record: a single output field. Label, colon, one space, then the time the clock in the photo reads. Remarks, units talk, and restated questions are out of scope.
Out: 5:41:24
